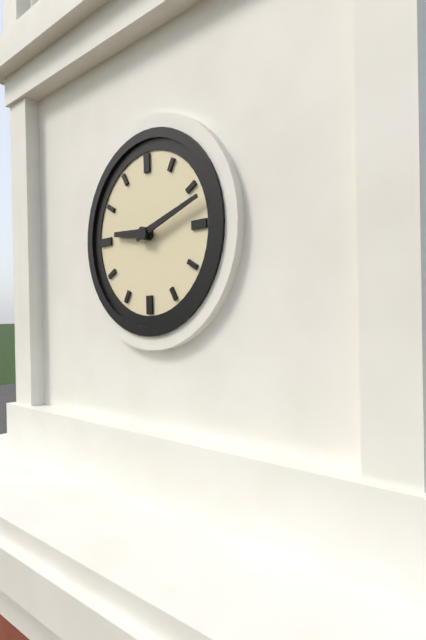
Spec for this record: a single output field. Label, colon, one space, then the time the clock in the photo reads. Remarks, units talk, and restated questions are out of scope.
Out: 9:12
